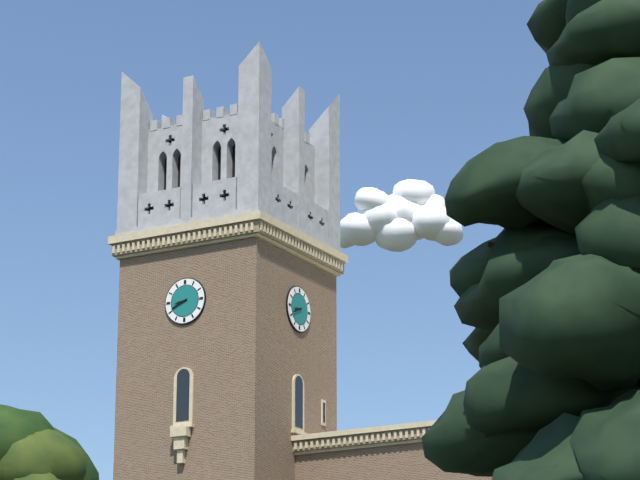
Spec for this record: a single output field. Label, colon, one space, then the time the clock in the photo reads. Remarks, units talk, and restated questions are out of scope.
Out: 8:41
